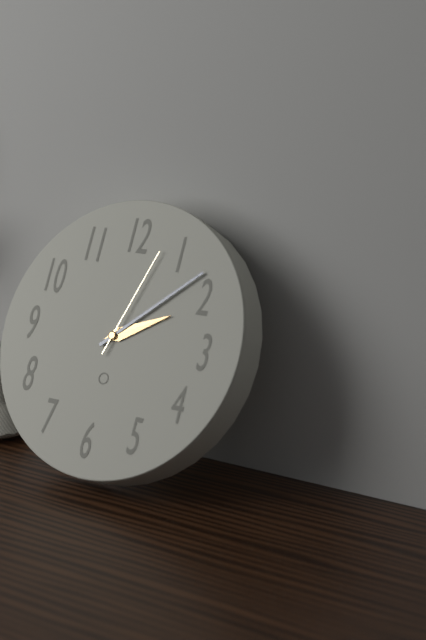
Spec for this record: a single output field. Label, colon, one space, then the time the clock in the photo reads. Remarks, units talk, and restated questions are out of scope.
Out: 2:08:03
